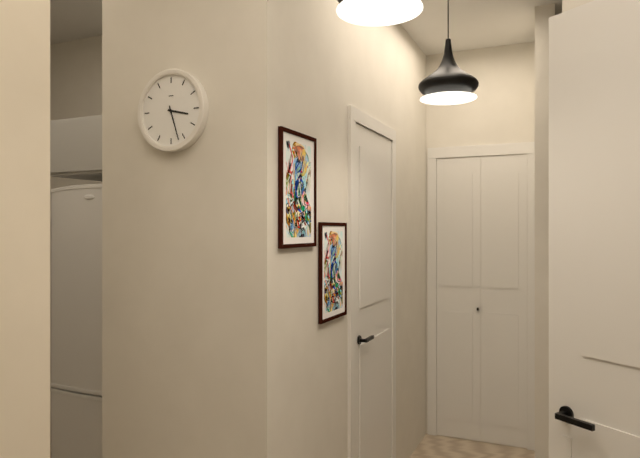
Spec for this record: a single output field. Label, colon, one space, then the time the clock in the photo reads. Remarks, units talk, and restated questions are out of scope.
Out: 3:27
